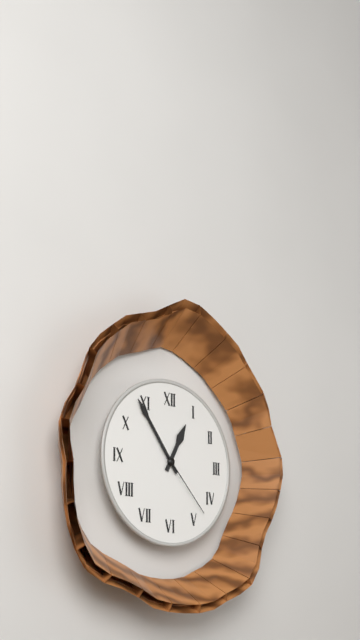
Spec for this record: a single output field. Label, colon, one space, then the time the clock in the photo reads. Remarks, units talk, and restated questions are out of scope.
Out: 12:54:23
